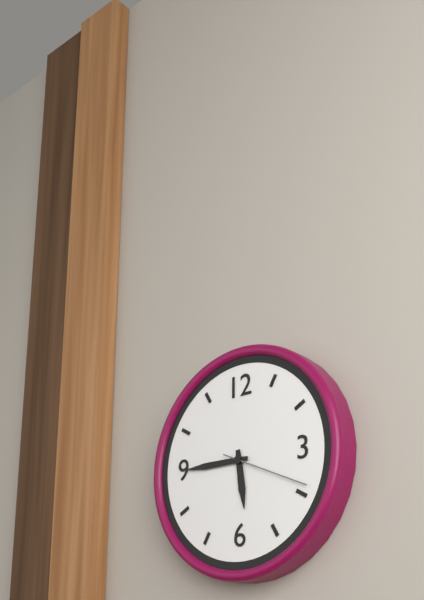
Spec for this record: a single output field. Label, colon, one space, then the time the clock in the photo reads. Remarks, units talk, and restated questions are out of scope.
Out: 5:45:19
